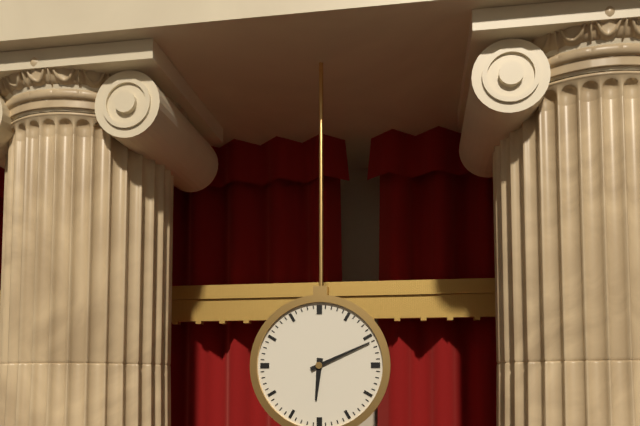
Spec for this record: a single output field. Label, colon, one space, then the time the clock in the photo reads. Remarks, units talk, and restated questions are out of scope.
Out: 6:11
